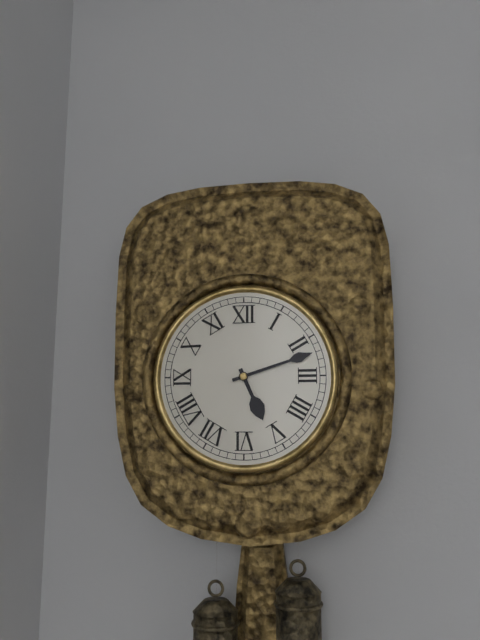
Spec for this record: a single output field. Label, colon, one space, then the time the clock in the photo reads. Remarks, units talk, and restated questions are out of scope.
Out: 5:12
